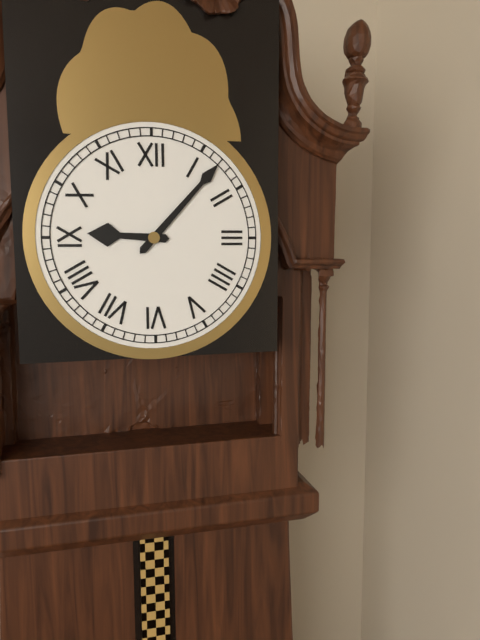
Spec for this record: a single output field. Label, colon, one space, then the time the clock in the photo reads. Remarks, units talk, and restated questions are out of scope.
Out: 9:07
